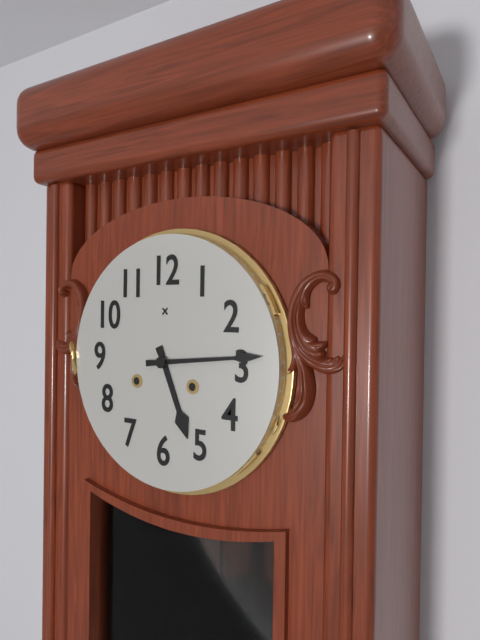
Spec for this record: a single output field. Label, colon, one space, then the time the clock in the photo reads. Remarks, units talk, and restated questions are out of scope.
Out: 5:14
